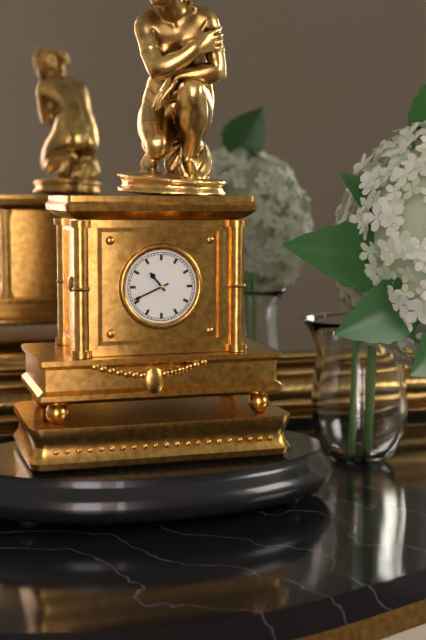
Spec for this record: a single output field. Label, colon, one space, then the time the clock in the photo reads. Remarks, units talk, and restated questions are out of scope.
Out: 10:41
